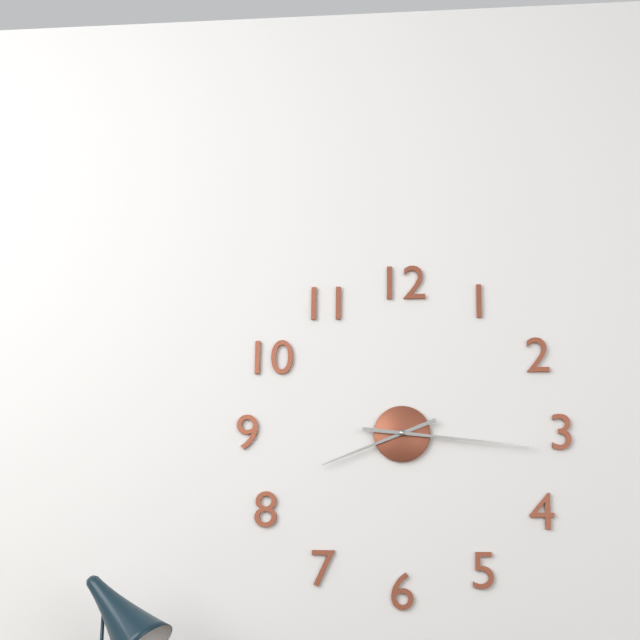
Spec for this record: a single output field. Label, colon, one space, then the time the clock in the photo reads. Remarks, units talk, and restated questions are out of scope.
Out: 8:16
